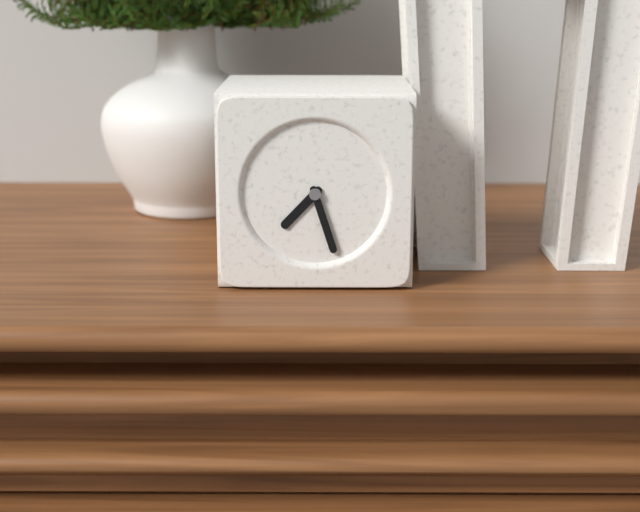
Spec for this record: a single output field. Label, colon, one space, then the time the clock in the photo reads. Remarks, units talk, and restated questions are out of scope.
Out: 7:27
